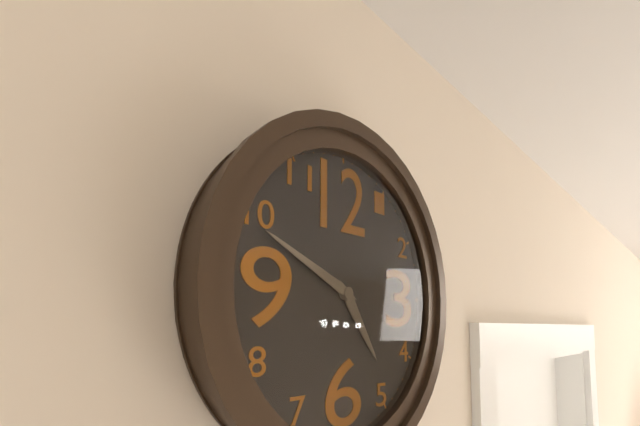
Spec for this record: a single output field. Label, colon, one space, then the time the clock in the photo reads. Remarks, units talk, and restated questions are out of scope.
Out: 4:49
